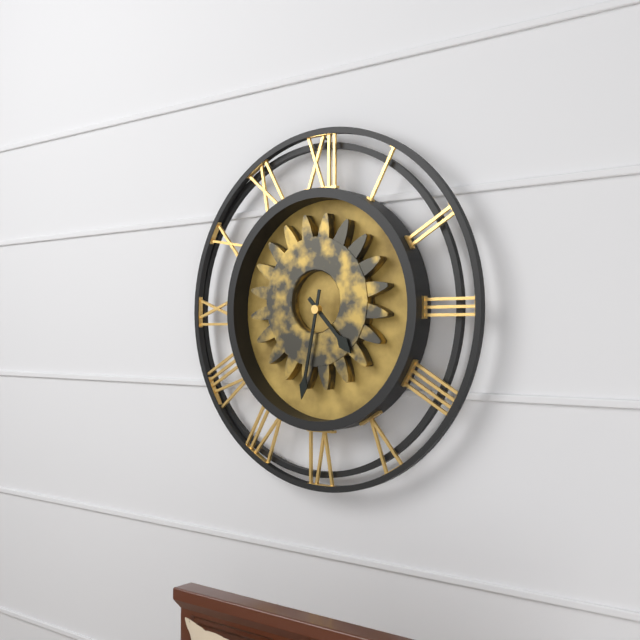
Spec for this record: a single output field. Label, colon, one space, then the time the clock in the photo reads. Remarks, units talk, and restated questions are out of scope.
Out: 4:32
